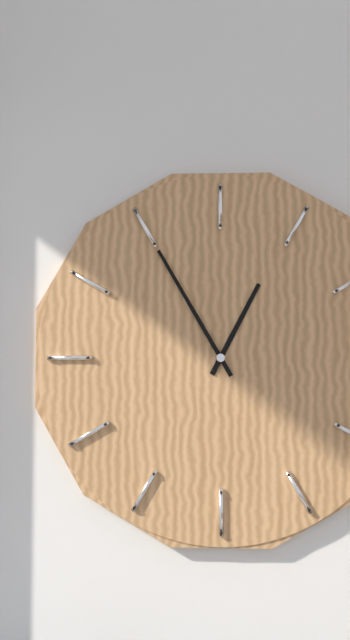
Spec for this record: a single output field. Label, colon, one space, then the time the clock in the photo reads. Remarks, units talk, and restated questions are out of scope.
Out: 12:55
